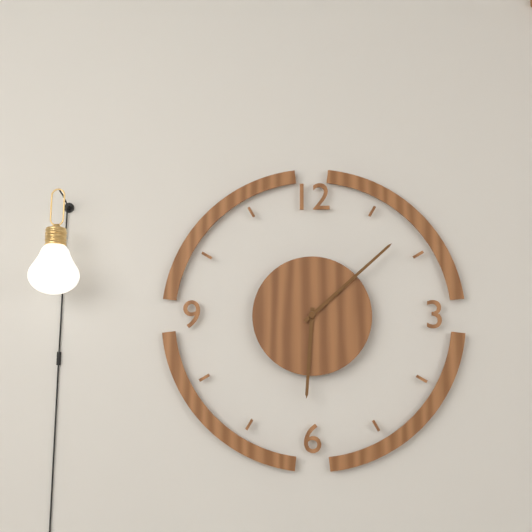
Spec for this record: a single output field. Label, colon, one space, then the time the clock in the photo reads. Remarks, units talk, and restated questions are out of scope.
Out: 6:08
